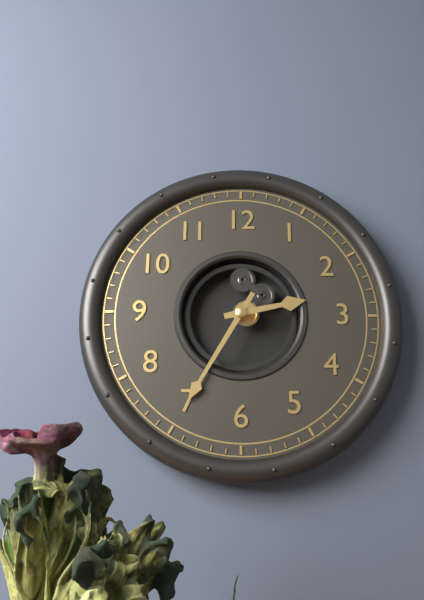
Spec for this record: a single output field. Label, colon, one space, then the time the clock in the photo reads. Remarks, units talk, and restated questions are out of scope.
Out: 2:35
